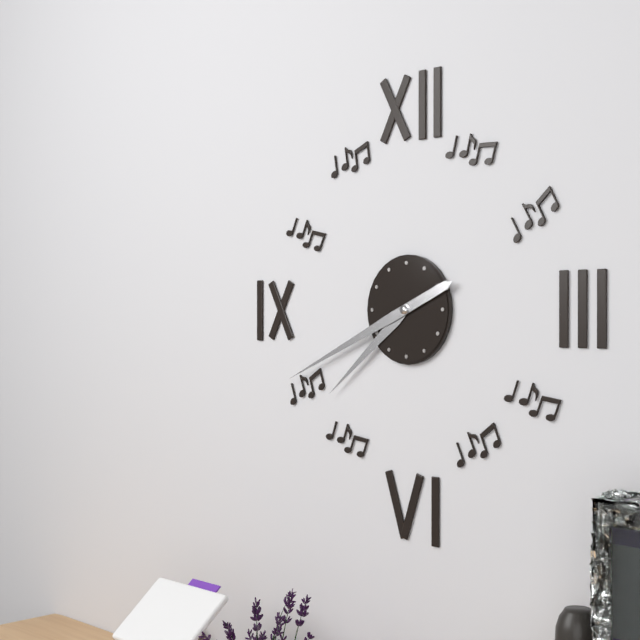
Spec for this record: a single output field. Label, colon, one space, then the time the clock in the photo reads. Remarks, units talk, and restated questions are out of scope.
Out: 7:41
